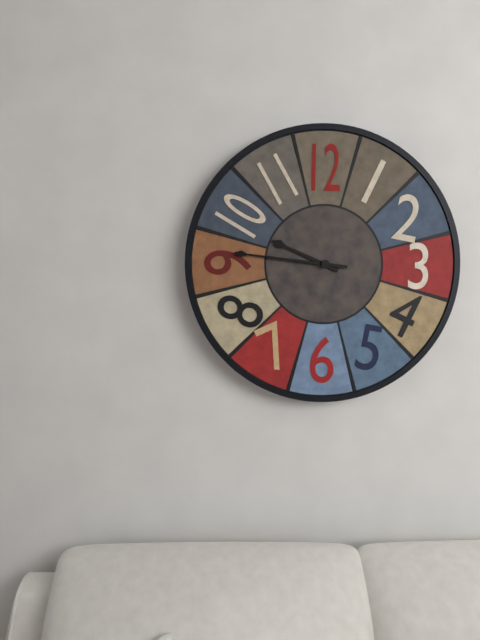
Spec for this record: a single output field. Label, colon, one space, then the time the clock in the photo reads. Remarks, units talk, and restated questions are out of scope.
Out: 9:46
